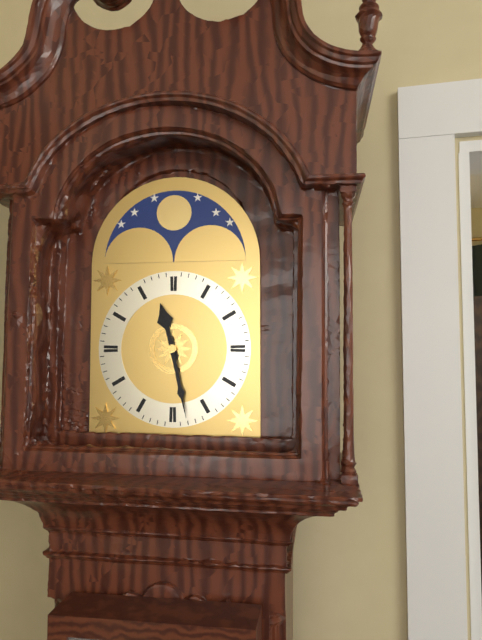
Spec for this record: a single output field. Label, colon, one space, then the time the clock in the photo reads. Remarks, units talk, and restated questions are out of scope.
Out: 11:28
